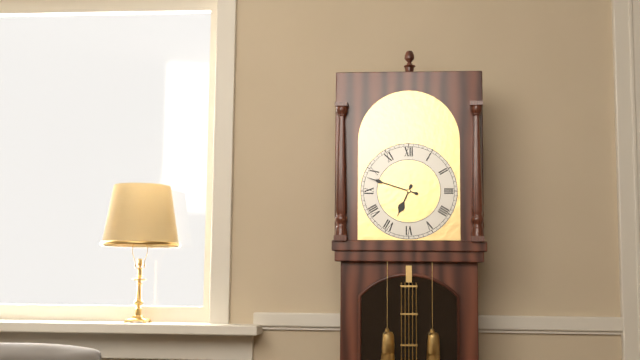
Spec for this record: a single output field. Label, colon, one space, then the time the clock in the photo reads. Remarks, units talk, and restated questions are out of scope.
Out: 6:48
